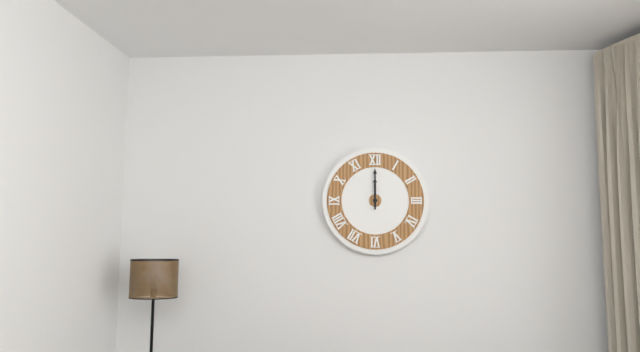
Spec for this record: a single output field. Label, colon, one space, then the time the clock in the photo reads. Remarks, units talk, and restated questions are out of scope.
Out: 12:00
